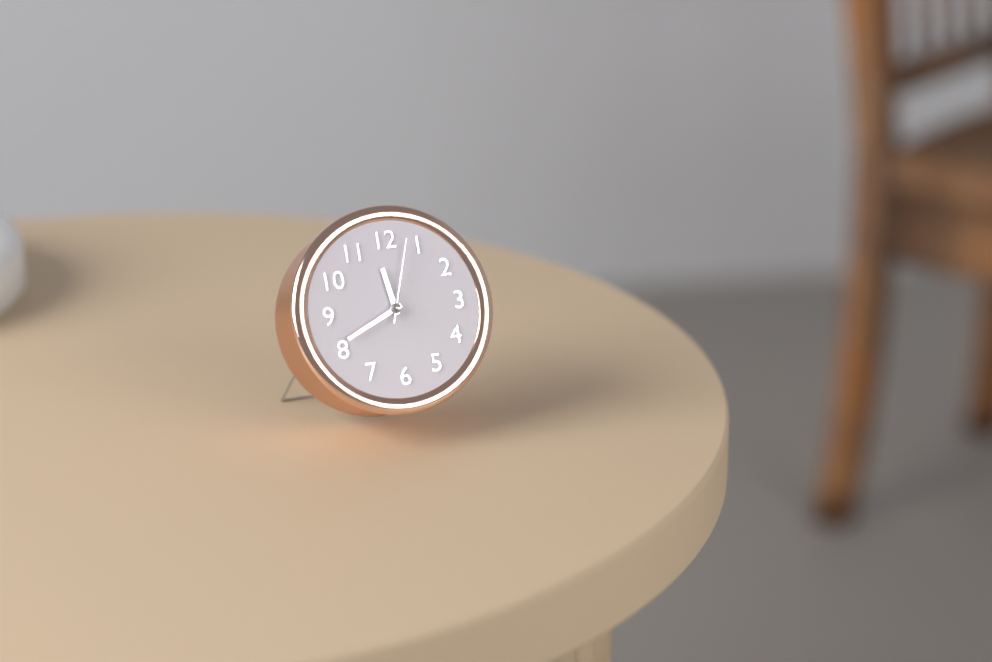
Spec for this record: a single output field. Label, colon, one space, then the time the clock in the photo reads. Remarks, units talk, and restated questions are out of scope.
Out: 11:41:03
